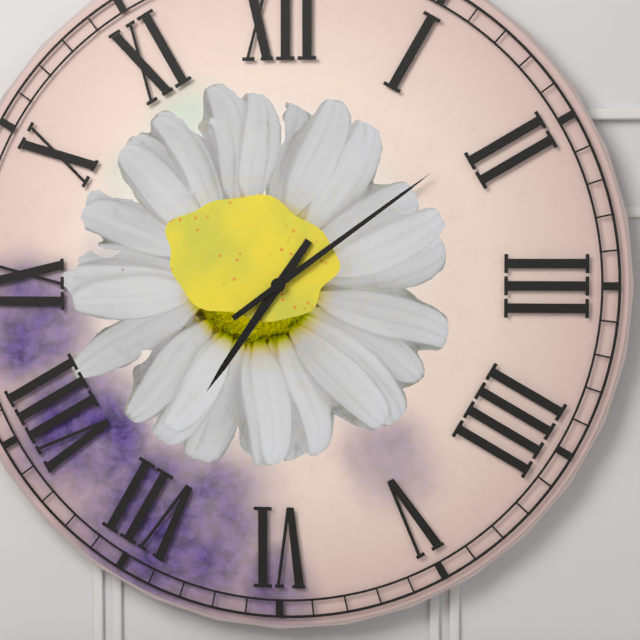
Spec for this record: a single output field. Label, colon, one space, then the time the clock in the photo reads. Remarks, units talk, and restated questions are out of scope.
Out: 7:09
